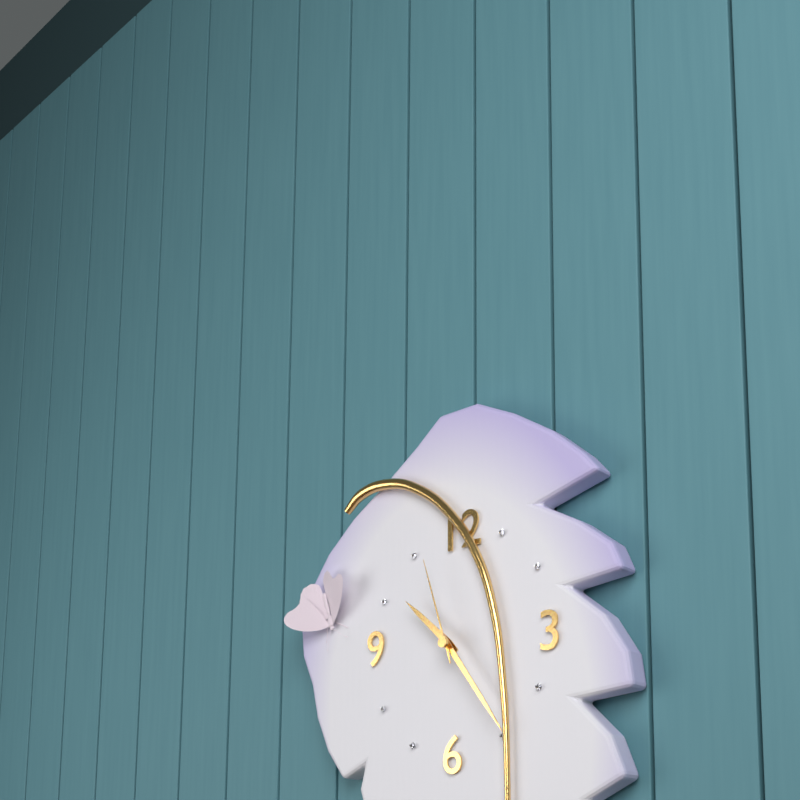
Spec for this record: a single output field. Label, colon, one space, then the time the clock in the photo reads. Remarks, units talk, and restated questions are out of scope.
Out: 10:24:57
